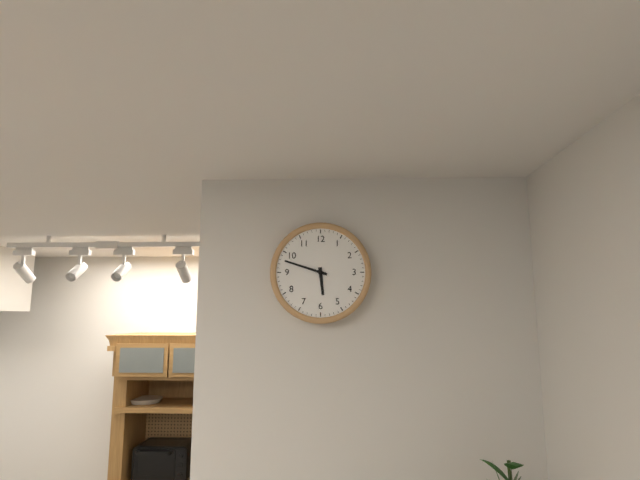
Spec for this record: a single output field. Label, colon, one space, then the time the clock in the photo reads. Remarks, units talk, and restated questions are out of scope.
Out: 5:48
